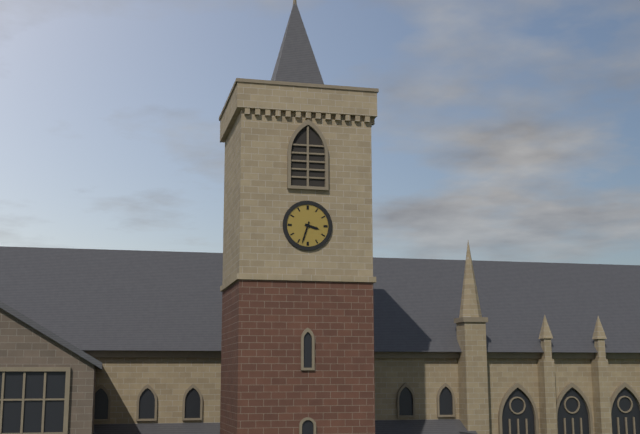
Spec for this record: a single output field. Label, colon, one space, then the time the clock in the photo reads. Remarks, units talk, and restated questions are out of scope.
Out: 3:33
